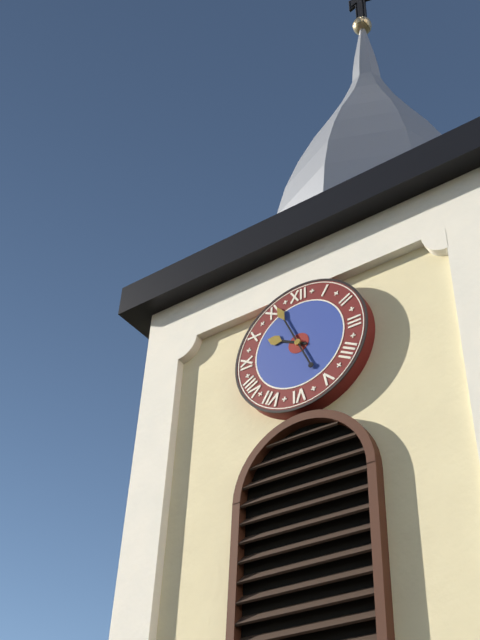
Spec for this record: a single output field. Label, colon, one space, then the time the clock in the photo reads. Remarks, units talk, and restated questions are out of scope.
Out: 9:56
